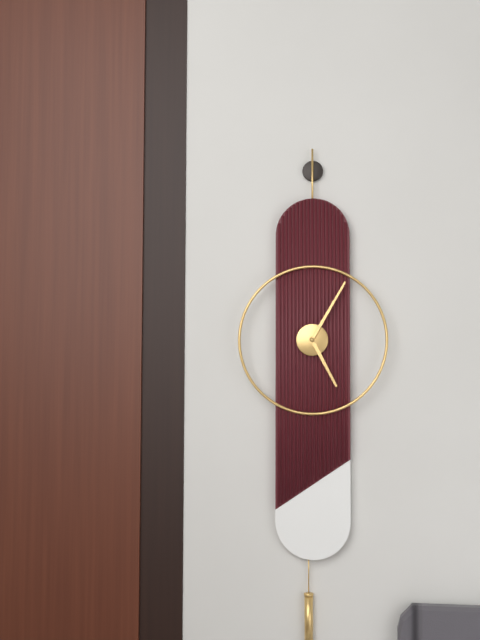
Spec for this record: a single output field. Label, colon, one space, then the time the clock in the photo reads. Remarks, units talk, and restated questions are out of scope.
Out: 5:05
